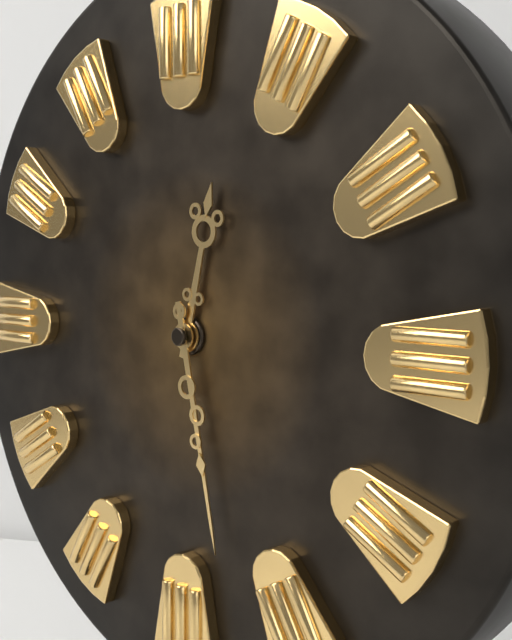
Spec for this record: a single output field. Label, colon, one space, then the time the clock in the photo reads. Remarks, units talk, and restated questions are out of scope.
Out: 12:28
